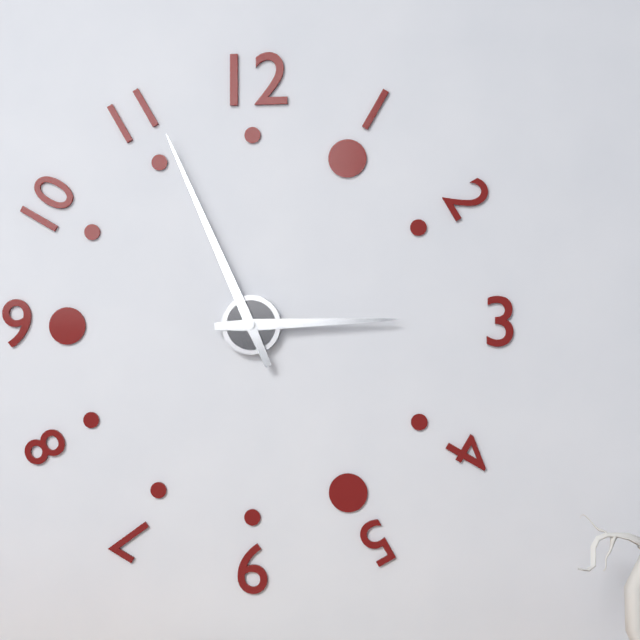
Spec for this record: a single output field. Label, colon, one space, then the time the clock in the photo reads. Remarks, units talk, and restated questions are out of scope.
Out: 2:56
